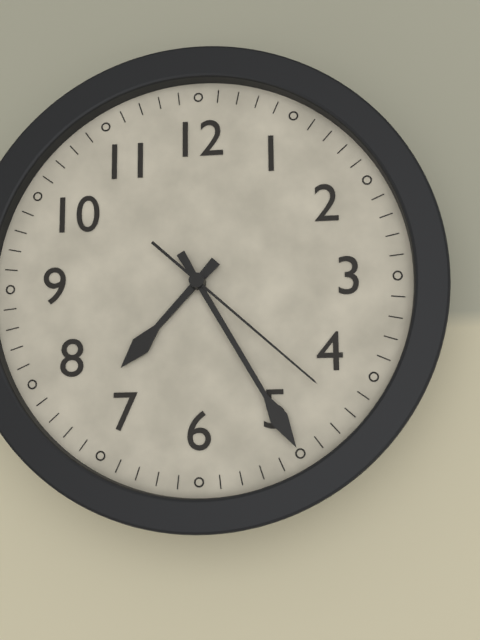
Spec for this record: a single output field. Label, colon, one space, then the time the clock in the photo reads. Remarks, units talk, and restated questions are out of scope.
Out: 7:25:22
